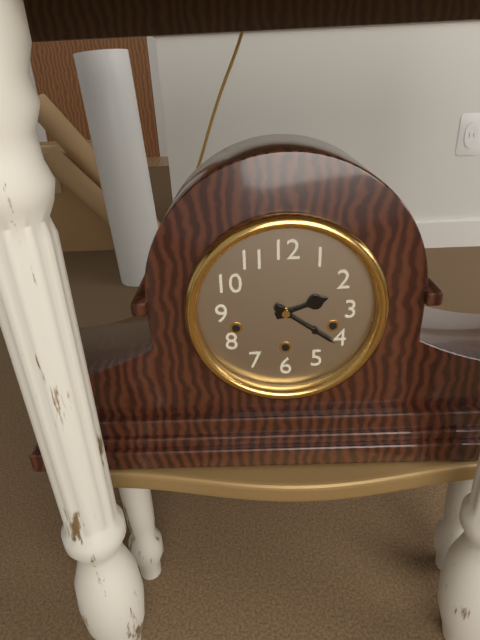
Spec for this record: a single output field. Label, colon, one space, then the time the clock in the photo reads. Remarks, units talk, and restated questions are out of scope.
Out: 2:21
